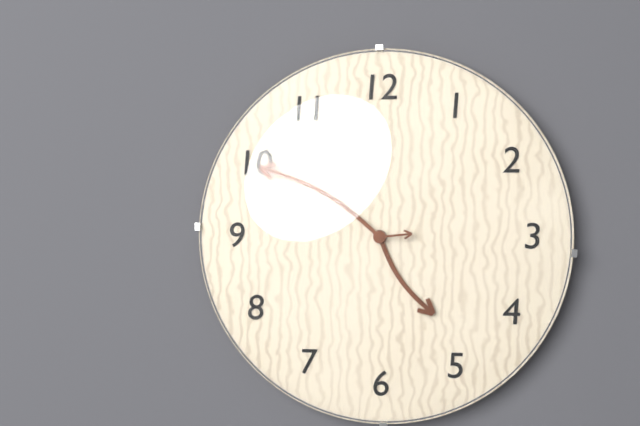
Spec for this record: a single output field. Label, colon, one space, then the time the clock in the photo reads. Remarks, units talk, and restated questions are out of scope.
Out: 4:50
